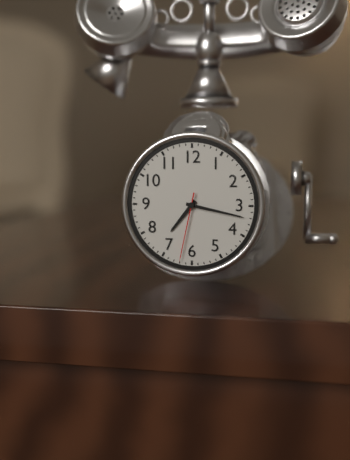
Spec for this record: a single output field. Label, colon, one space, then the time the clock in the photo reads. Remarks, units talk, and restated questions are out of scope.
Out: 7:17:32
